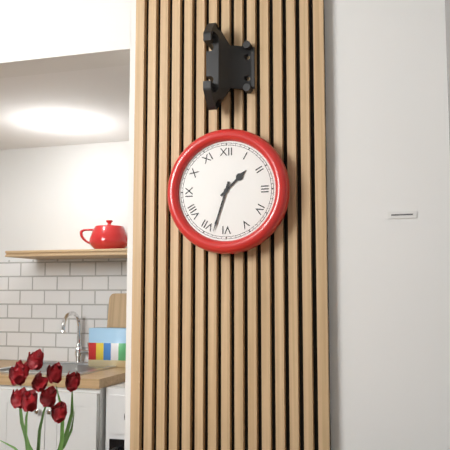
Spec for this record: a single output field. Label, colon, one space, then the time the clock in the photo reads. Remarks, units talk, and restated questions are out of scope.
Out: 1:33
